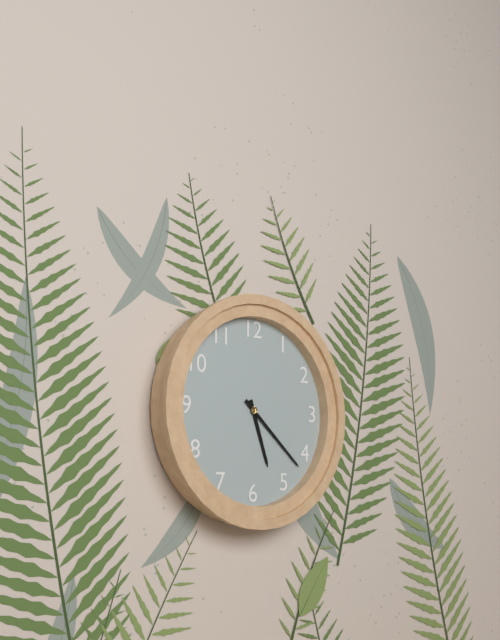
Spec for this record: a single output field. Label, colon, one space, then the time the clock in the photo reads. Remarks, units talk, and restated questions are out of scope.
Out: 5:22
